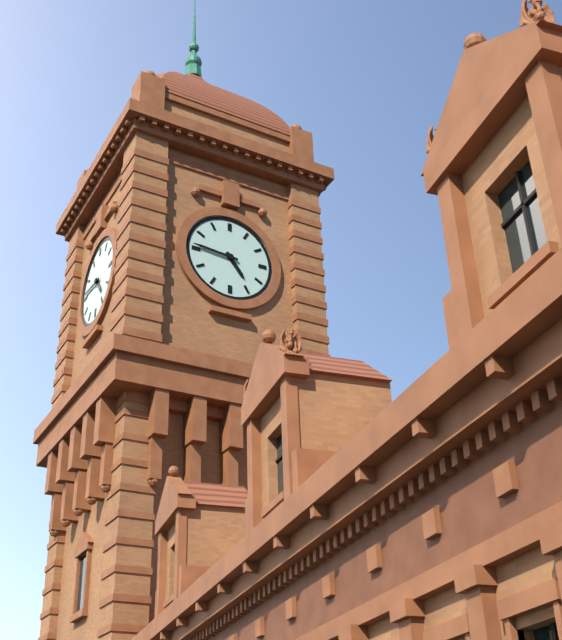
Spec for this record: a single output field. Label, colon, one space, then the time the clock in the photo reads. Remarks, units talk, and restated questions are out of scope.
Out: 4:46
